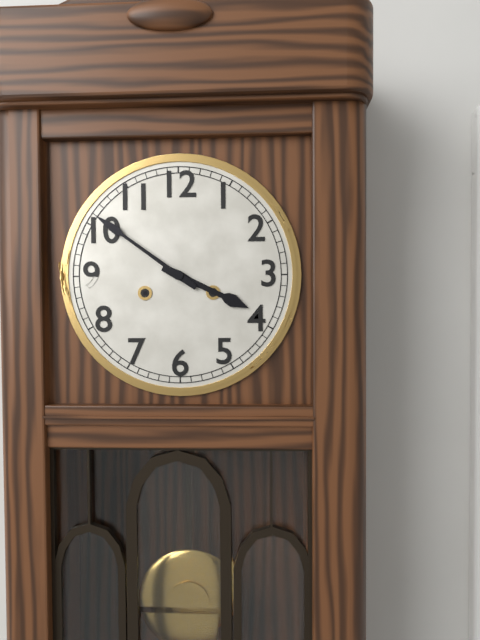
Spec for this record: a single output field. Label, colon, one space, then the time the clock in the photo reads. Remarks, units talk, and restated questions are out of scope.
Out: 3:51
